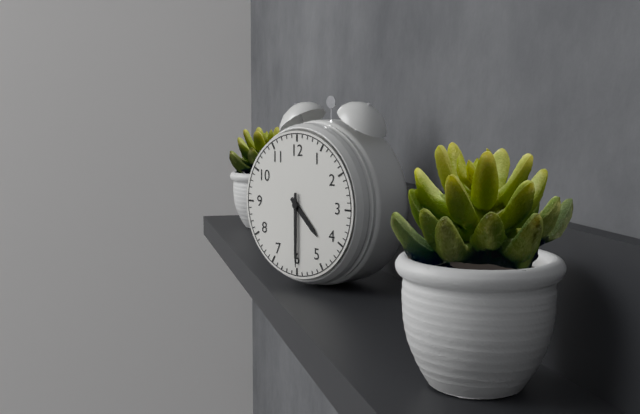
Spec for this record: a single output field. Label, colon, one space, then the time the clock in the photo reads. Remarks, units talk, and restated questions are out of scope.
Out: 4:30
